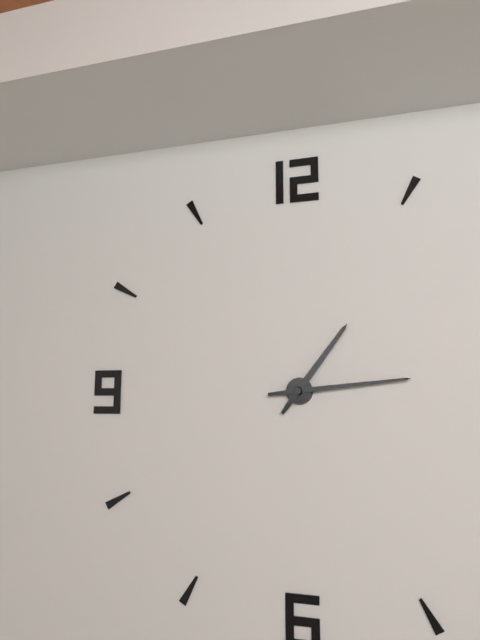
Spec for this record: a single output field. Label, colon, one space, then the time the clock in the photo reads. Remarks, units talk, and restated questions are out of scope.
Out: 1:14
